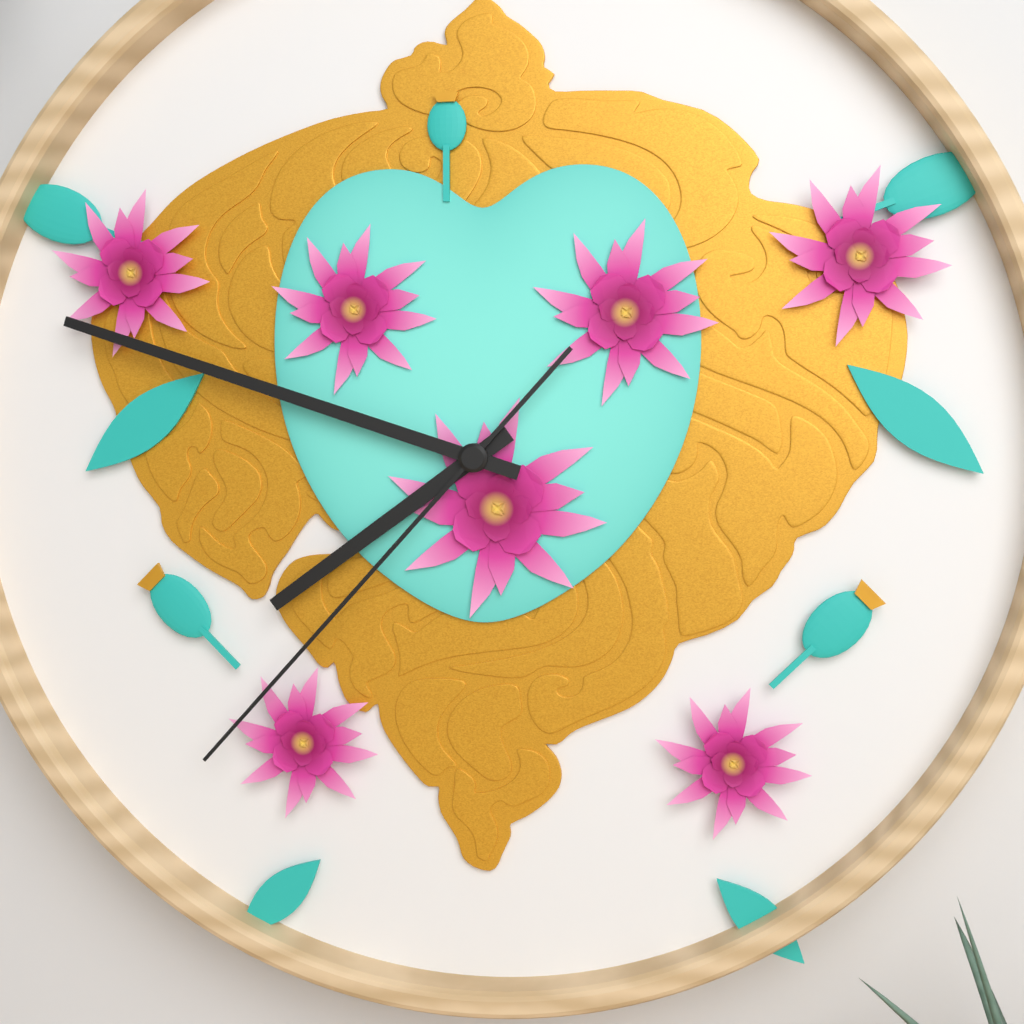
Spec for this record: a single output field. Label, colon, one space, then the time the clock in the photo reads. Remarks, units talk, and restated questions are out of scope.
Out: 7:48:37
